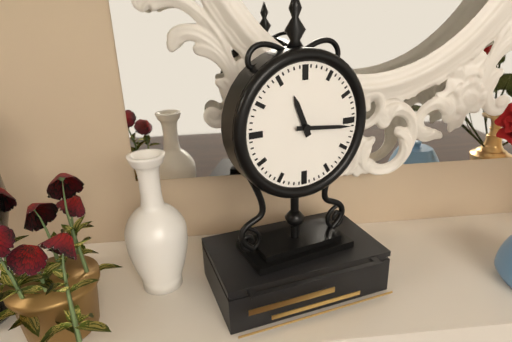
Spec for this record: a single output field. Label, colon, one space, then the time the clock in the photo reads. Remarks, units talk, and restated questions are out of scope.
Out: 11:16
